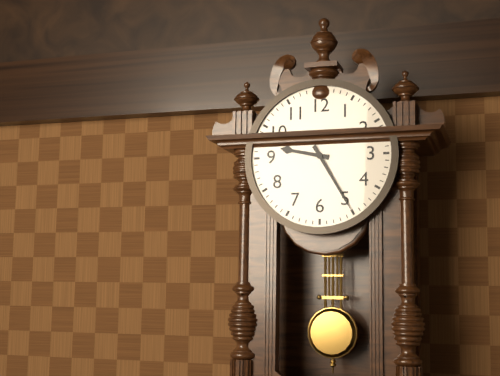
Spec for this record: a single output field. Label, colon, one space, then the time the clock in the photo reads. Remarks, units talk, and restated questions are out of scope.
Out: 9:25
